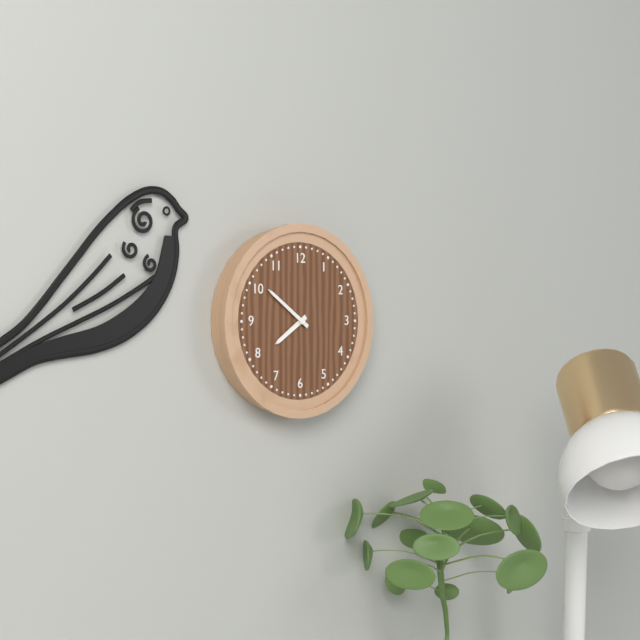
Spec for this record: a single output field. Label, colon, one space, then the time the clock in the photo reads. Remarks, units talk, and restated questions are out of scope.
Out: 7:51
